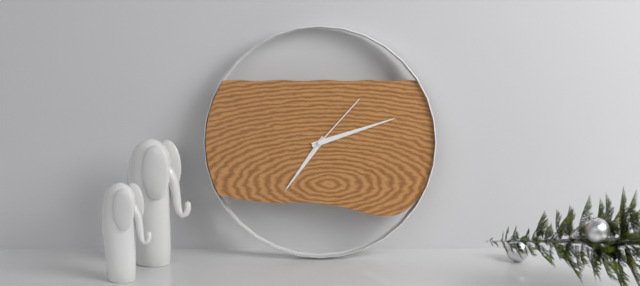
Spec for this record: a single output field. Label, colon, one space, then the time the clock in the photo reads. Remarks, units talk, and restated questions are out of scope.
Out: 7:12:07
